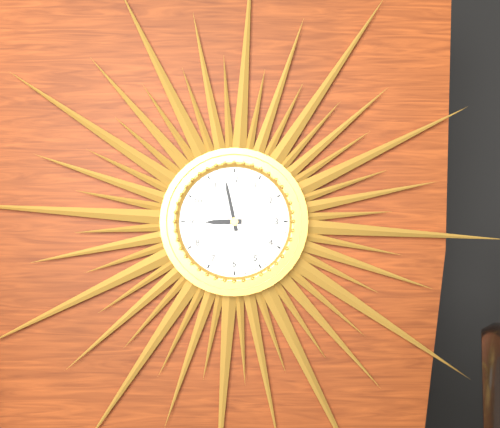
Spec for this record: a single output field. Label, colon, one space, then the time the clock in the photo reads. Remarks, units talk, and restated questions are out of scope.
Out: 8:58
